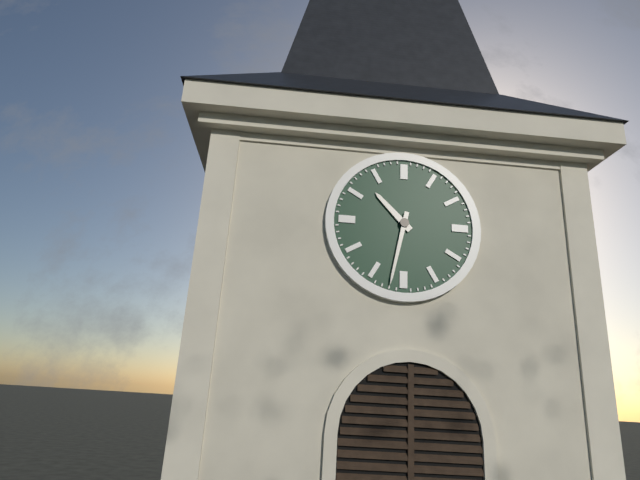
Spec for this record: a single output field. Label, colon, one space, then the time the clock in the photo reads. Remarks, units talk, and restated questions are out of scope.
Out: 10:32
